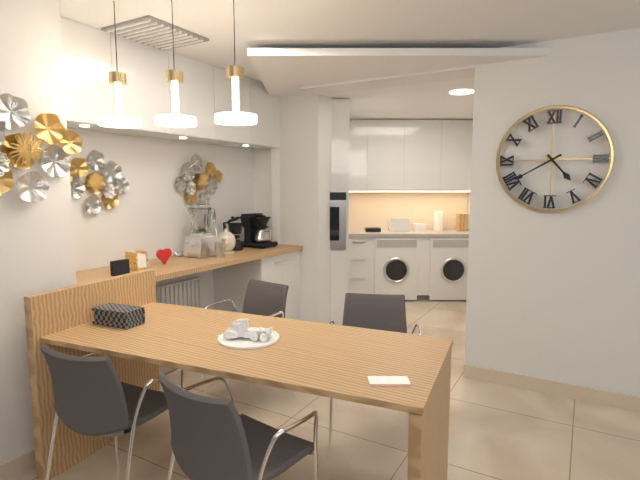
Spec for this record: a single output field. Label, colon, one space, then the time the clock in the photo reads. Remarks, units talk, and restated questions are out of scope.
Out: 4:40
